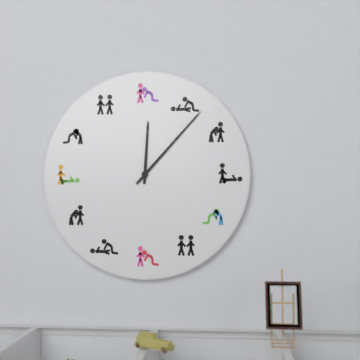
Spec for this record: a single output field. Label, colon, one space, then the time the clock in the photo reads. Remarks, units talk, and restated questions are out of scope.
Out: 12:07
